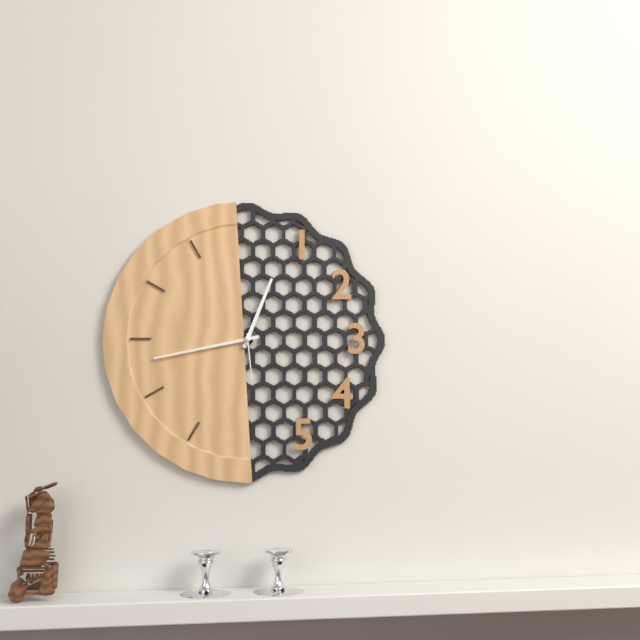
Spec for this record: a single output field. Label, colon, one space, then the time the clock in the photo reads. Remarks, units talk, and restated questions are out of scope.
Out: 12:43
